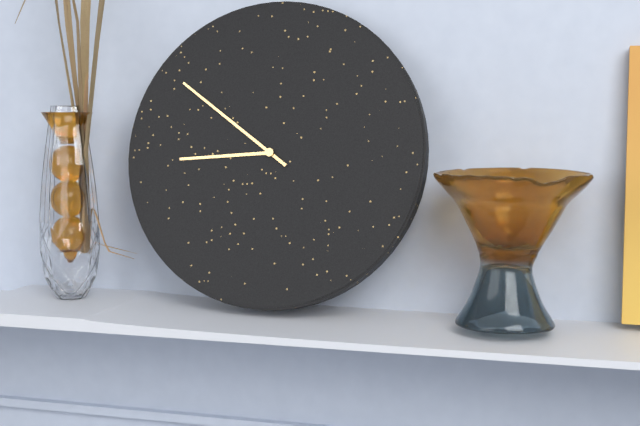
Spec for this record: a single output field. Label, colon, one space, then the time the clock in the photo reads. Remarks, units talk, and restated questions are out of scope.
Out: 8:51
